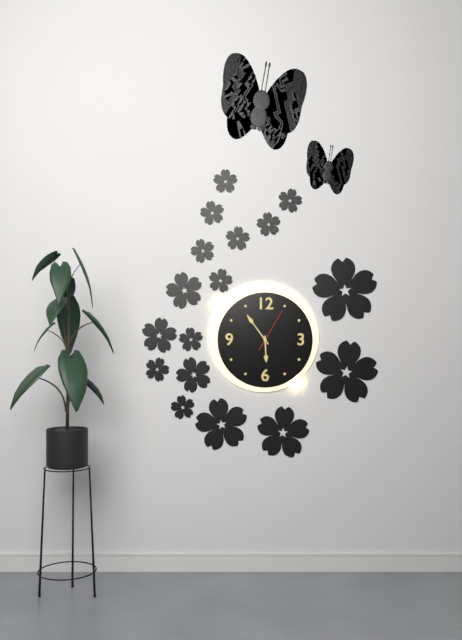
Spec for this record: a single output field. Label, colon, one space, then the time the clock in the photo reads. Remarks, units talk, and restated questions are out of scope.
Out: 5:54
